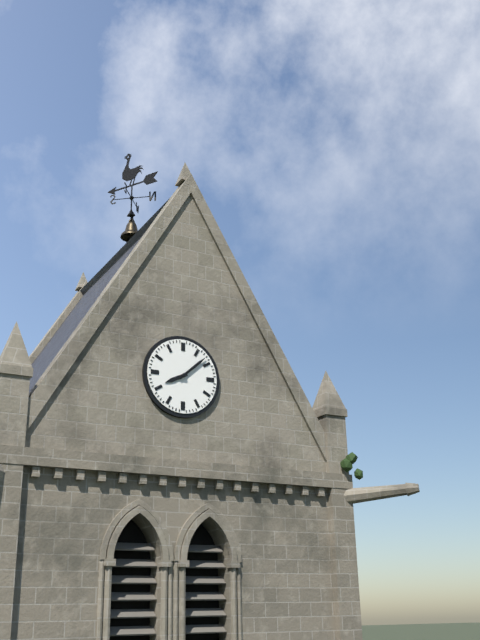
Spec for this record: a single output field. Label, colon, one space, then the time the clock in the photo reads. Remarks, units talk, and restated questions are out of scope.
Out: 8:08
